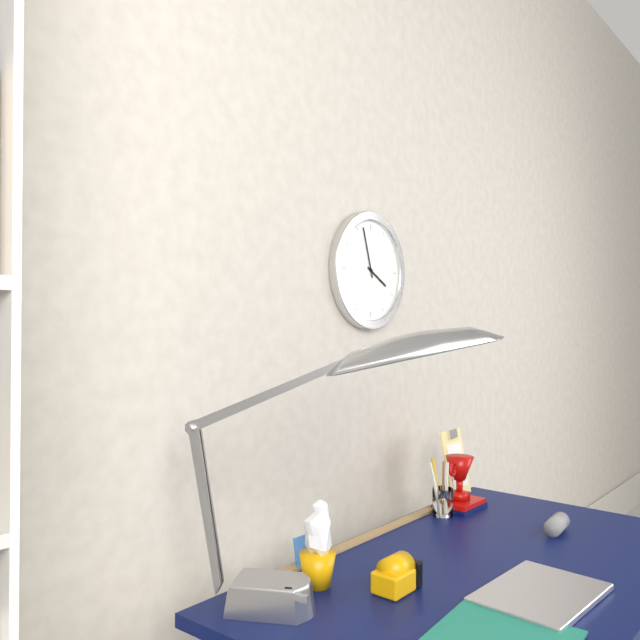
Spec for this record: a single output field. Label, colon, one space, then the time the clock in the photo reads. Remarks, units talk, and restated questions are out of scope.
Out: 3:57
